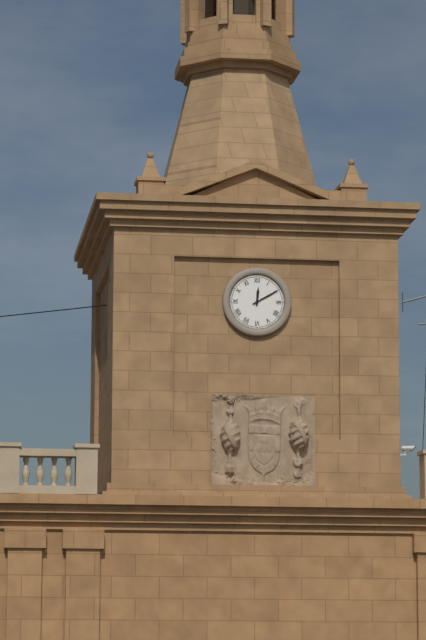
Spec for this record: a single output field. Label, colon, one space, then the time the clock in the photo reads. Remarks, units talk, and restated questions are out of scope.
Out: 12:10
